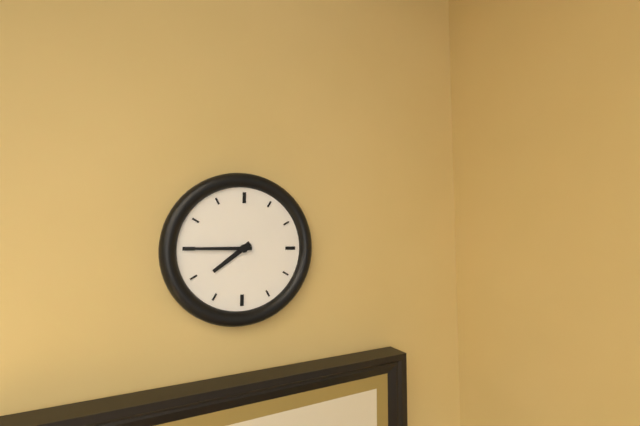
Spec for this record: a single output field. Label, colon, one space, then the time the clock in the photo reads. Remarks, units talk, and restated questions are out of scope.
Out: 7:45
